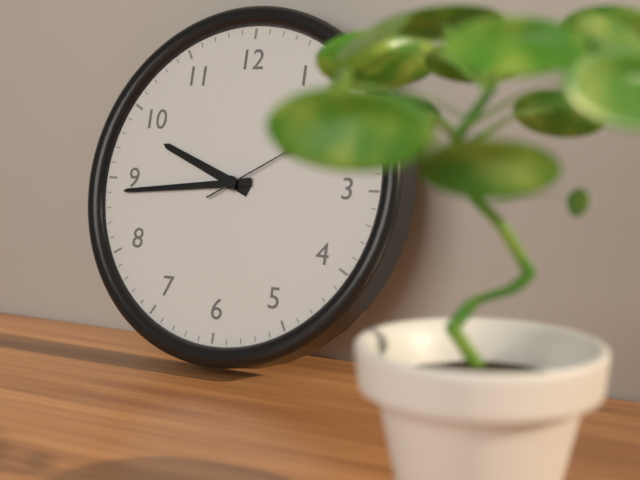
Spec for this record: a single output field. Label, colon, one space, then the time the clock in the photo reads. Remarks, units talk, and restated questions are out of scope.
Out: 9:44
